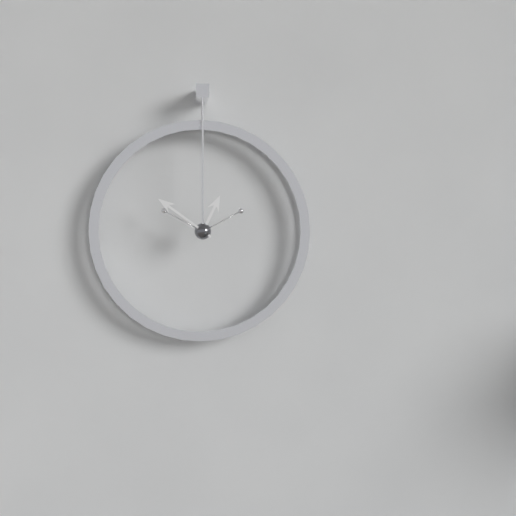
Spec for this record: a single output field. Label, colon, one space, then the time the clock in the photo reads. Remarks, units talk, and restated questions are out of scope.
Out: 12:51
